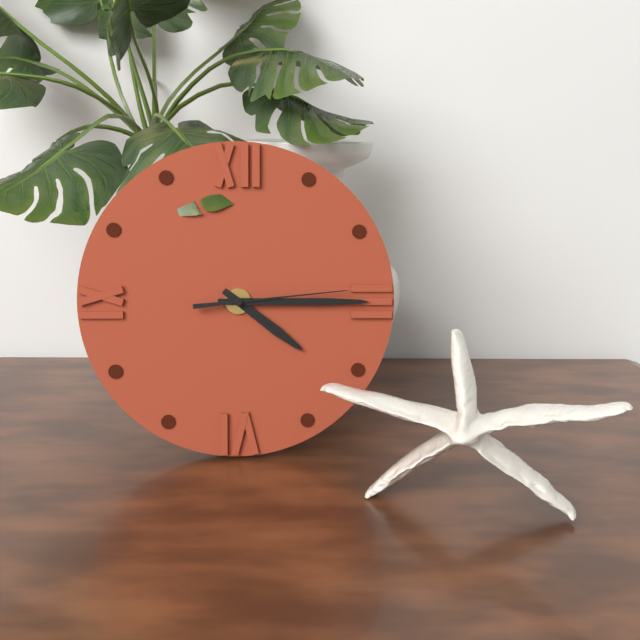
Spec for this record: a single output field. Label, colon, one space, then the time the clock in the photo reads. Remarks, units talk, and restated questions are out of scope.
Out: 4:15:14
